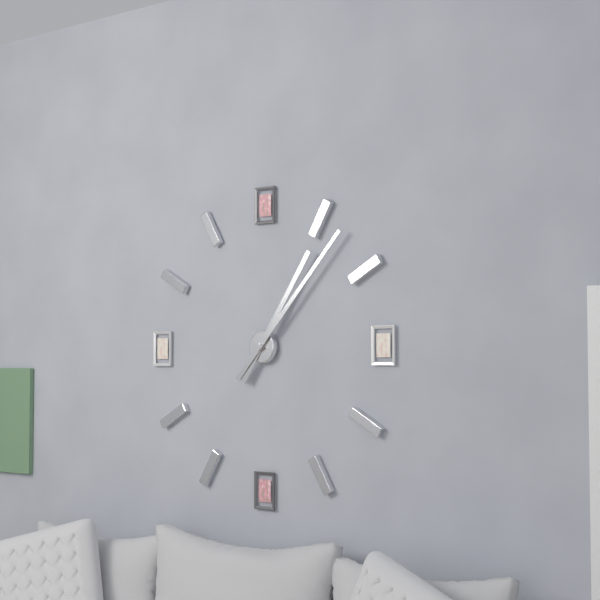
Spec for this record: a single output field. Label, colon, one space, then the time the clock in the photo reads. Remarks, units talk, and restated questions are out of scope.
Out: 1:07
